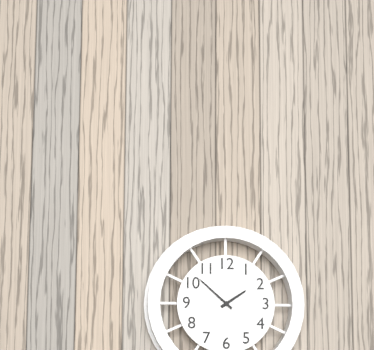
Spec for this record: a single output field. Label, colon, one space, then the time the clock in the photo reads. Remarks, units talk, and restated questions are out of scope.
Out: 1:52
